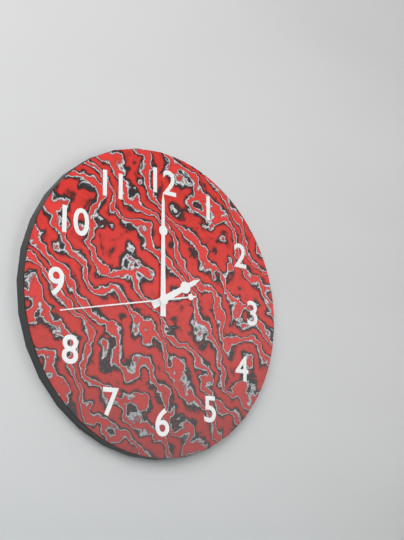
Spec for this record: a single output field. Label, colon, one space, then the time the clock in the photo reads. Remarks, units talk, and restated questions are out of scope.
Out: 2:00:43
